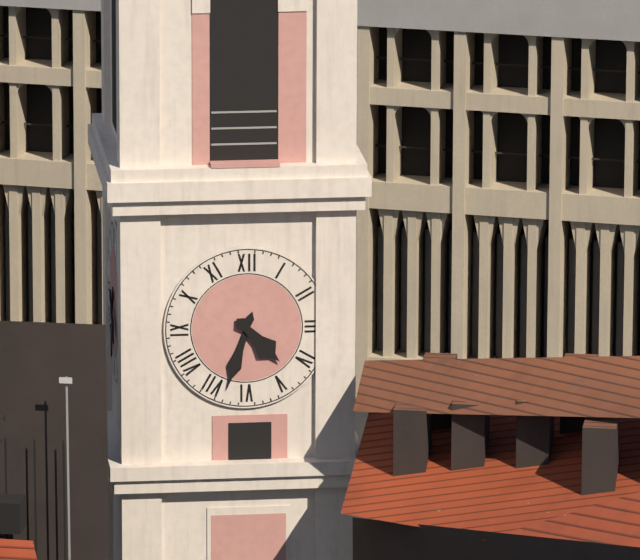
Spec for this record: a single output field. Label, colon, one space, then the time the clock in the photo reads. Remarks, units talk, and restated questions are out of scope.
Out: 4:33
